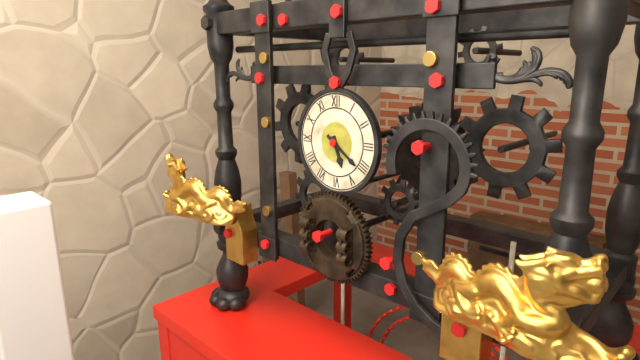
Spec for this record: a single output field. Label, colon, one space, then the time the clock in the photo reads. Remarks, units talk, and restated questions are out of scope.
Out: 5:21
